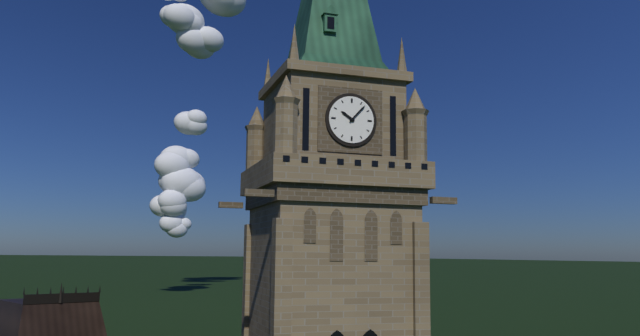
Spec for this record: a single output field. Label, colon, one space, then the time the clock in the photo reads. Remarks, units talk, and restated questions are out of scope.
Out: 10:07
